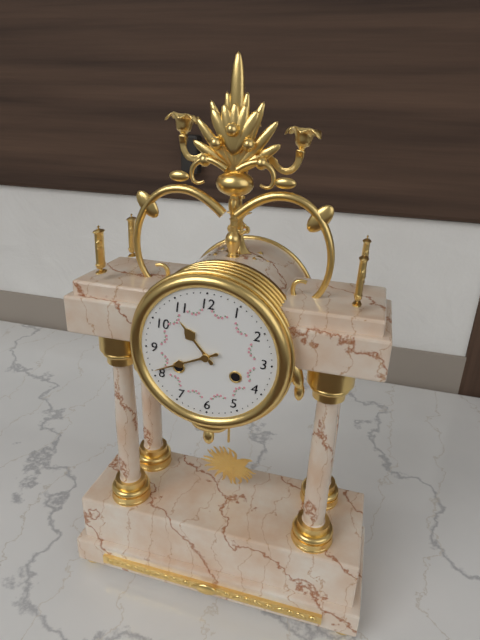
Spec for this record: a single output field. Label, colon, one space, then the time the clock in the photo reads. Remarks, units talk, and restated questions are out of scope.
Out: 10:41
